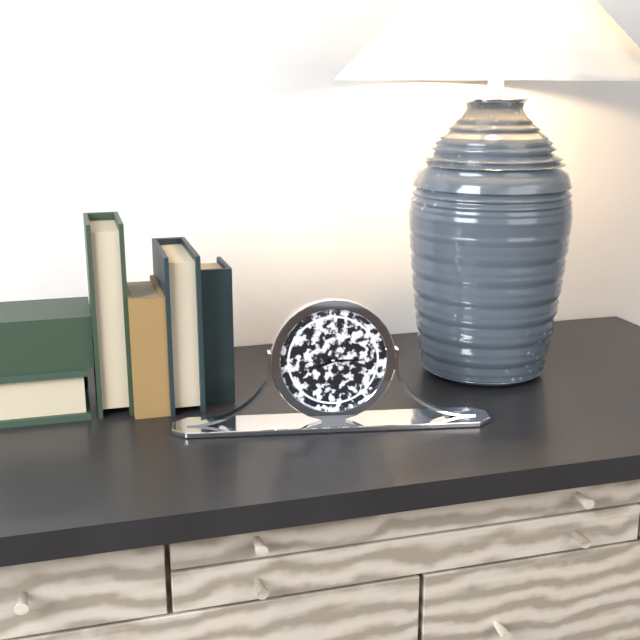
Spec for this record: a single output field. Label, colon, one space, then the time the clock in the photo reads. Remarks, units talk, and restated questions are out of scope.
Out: 8:15
